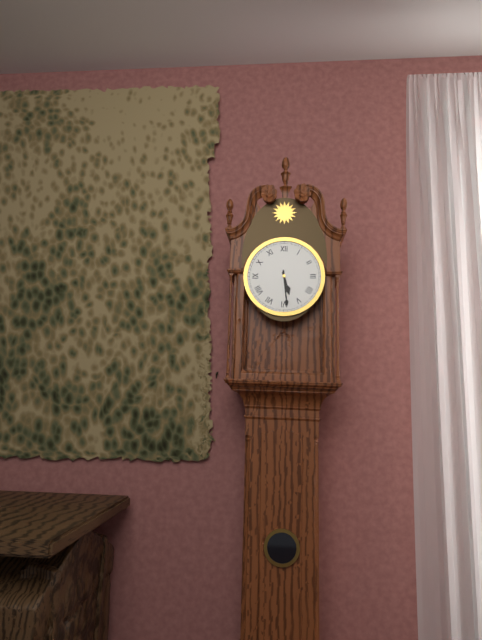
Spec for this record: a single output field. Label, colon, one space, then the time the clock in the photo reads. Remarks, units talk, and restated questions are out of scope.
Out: 5:29
